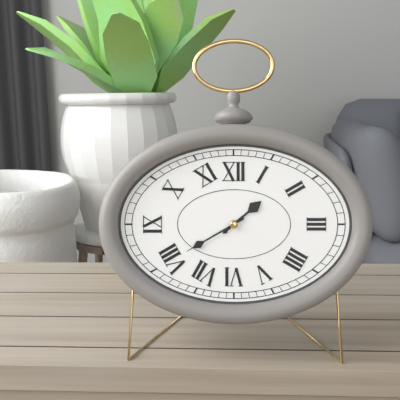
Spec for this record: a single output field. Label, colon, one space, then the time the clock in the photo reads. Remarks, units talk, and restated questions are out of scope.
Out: 1:40
